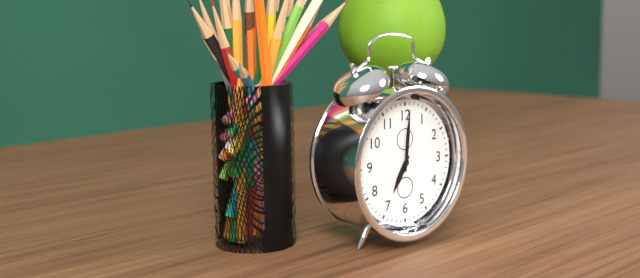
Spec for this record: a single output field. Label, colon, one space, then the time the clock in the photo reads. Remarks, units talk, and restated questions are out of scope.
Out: 7:01
